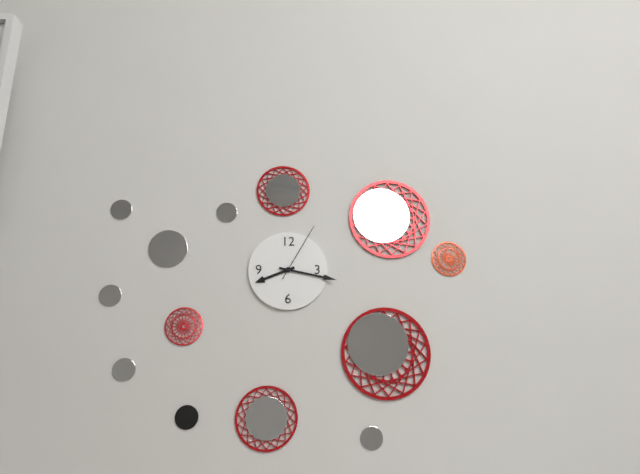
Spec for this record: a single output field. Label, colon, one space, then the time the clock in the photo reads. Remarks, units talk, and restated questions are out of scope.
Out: 8:17:05
